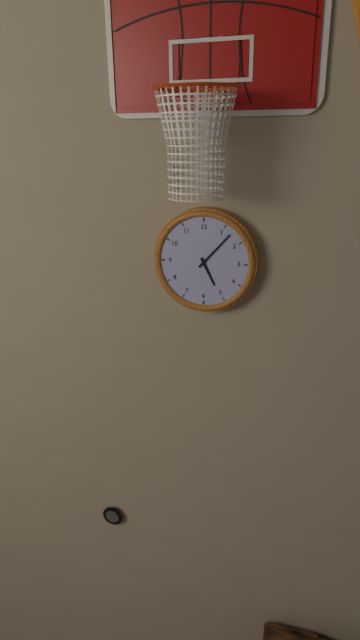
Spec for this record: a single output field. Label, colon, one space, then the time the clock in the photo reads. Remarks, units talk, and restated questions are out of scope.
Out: 5:07
